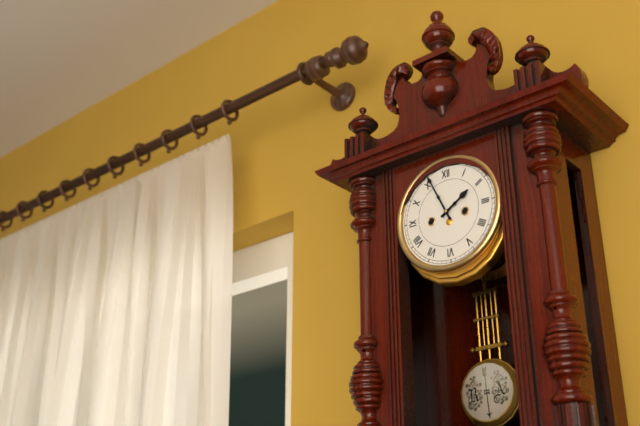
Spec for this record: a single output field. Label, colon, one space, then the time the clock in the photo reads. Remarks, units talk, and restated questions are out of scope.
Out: 1:56
